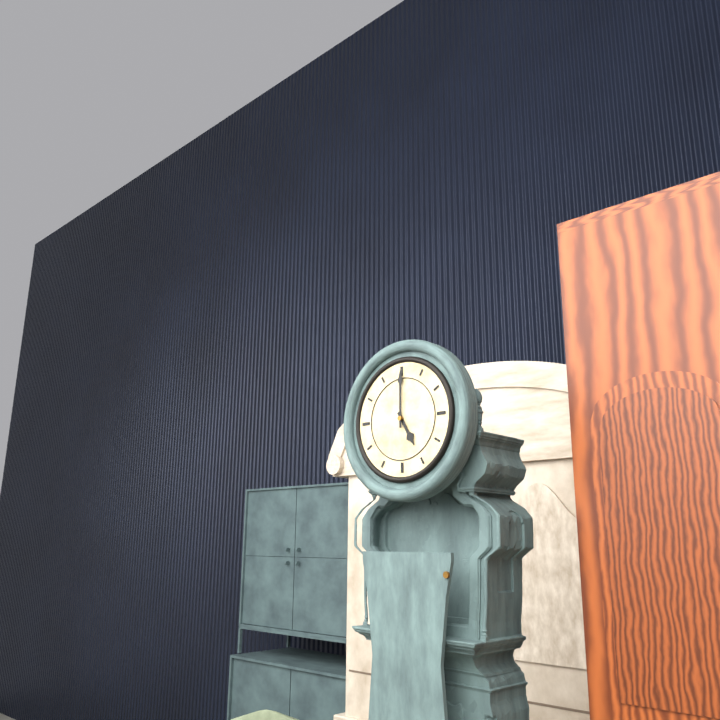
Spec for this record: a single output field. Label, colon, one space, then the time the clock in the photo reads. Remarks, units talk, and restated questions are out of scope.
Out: 5:00
